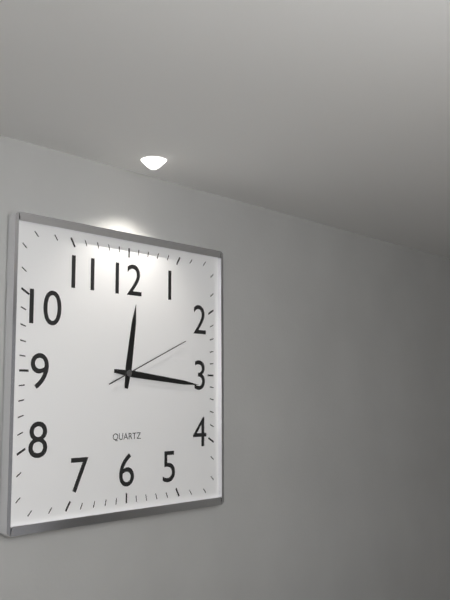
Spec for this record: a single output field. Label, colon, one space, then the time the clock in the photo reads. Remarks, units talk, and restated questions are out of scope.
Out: 12:16:11
